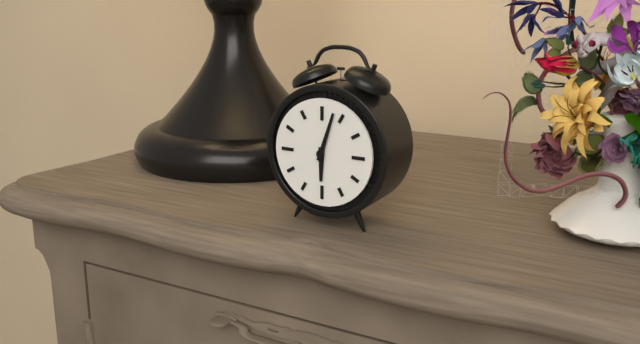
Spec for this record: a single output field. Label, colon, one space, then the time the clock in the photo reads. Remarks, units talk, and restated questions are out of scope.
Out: 6:03
